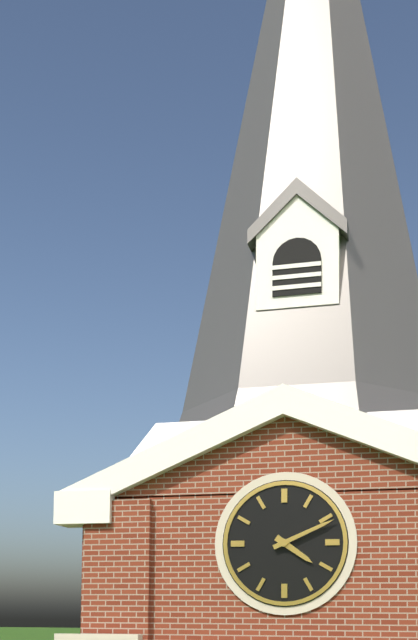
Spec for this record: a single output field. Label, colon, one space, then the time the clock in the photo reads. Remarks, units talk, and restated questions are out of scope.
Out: 4:11
